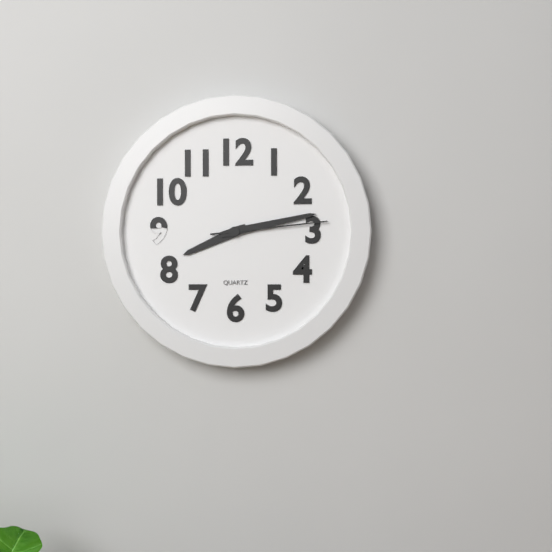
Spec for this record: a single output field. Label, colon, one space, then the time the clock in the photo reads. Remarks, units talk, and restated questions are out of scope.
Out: 8:13:14
